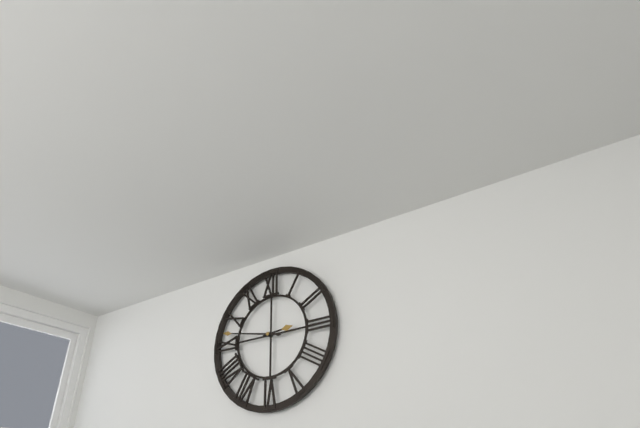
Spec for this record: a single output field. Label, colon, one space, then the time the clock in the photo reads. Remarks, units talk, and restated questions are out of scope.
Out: 2:47
